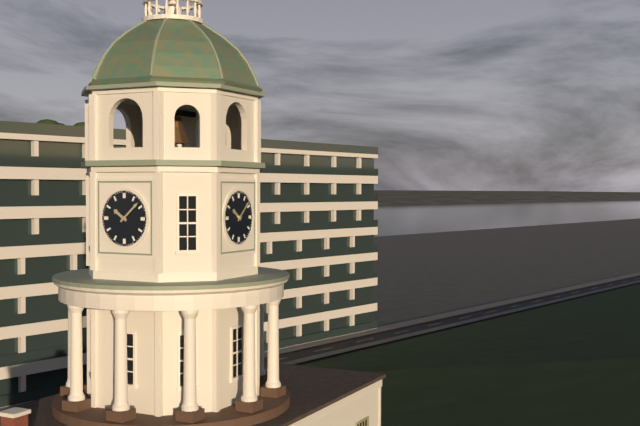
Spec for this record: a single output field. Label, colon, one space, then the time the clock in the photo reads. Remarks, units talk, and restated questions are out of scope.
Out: 10:08
